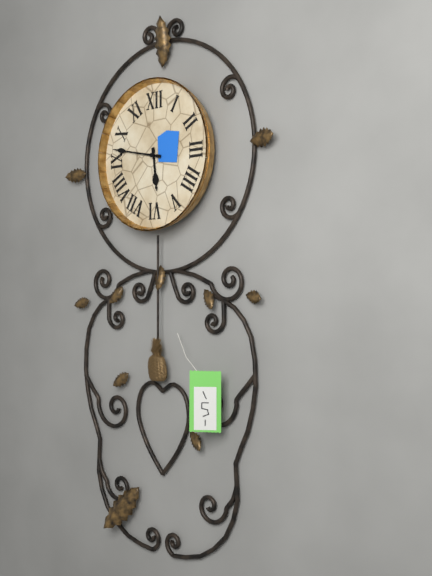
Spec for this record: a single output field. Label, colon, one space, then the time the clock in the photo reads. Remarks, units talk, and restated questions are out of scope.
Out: 5:47
